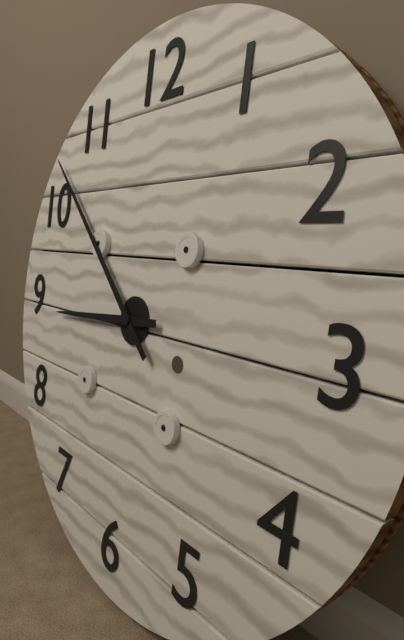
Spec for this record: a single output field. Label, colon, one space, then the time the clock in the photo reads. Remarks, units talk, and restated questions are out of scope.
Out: 8:52
